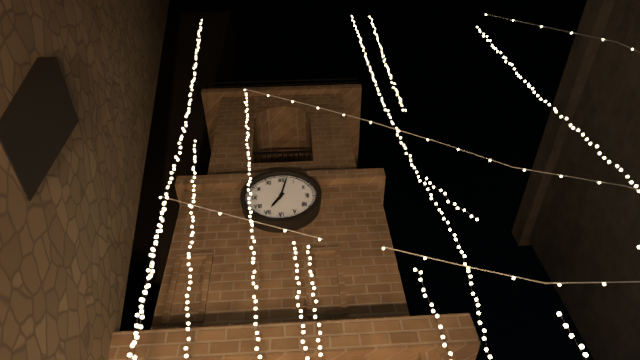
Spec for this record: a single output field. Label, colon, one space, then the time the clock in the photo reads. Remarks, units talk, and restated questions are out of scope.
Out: 7:02
